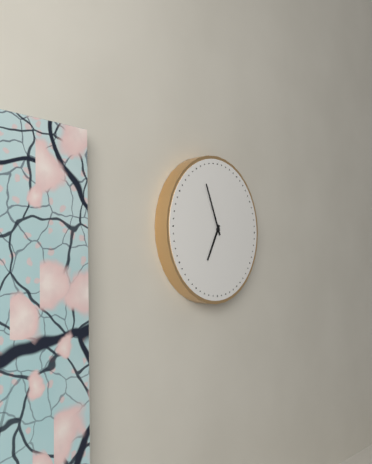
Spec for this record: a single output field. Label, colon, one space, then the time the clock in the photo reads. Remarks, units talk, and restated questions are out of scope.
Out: 6:56
